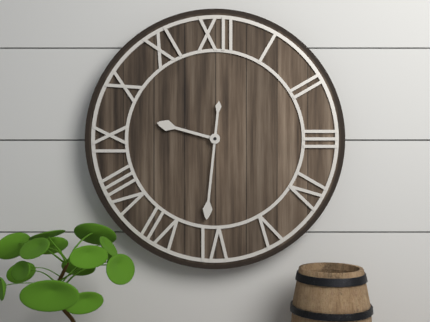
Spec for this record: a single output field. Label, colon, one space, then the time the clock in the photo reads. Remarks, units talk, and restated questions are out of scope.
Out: 9:31
